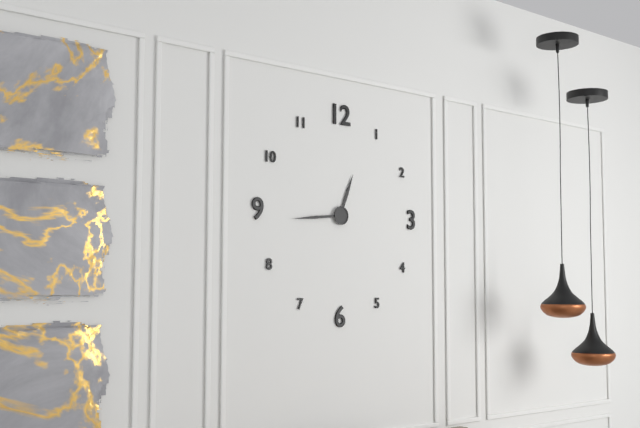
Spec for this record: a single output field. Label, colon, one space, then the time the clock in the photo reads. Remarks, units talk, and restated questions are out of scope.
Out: 12:44
